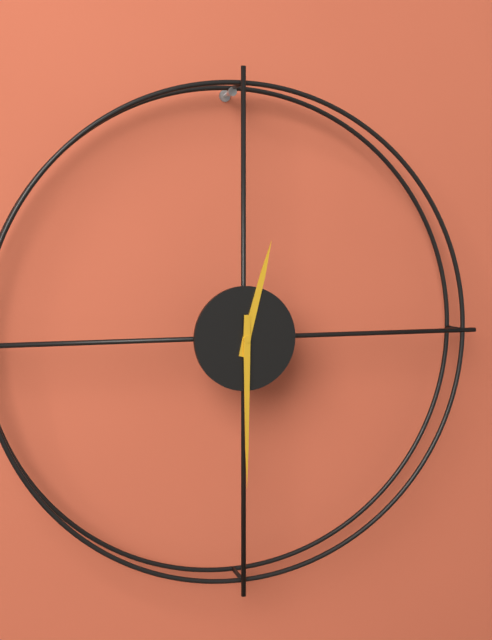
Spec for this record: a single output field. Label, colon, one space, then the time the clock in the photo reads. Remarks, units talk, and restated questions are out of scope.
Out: 12:30
